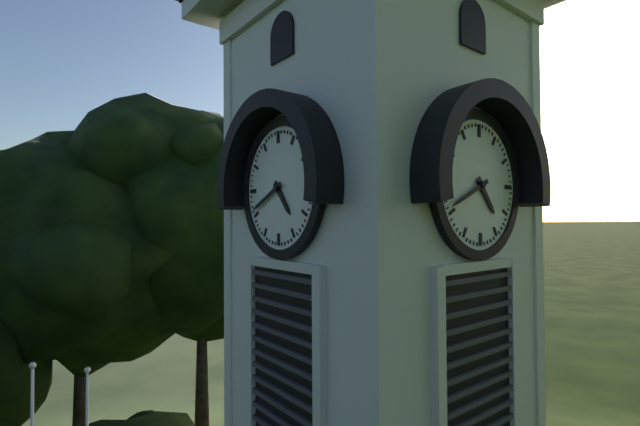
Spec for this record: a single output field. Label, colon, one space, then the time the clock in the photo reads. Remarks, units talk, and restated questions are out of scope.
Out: 4:41
